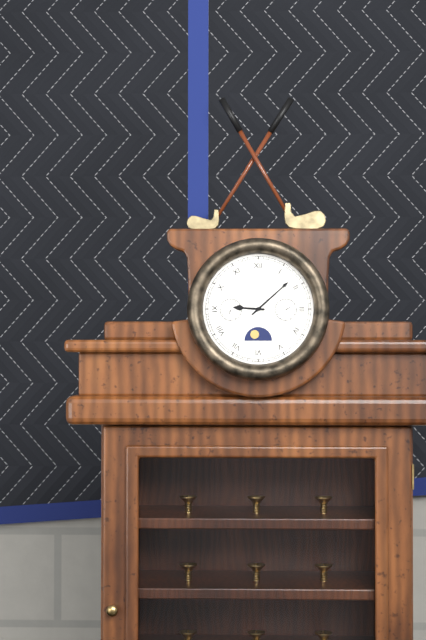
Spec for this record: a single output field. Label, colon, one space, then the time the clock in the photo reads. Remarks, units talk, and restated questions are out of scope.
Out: 9:08
